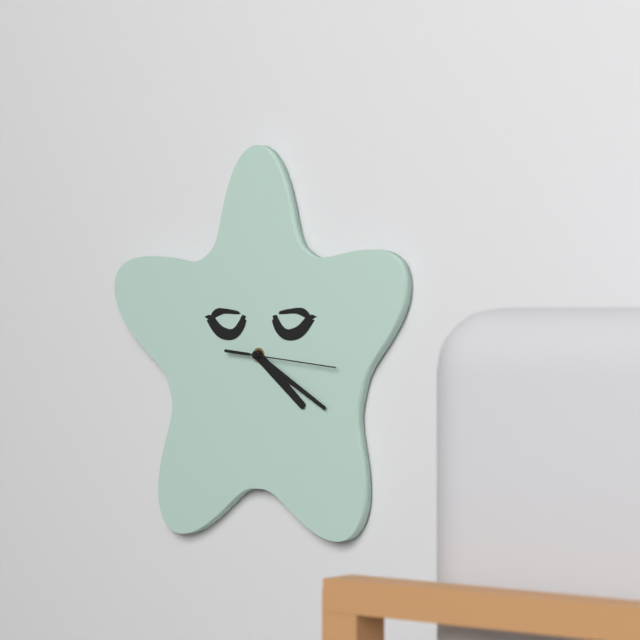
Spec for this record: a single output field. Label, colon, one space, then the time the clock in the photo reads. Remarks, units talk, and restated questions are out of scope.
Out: 4:20:16
